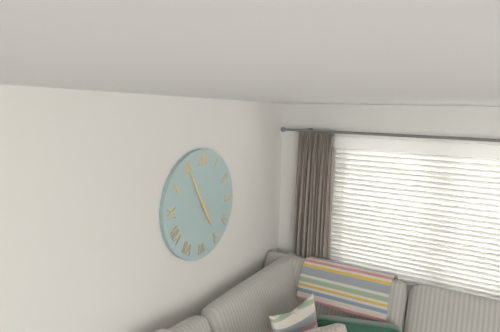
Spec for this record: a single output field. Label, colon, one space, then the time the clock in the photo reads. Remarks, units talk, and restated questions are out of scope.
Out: 4:55
